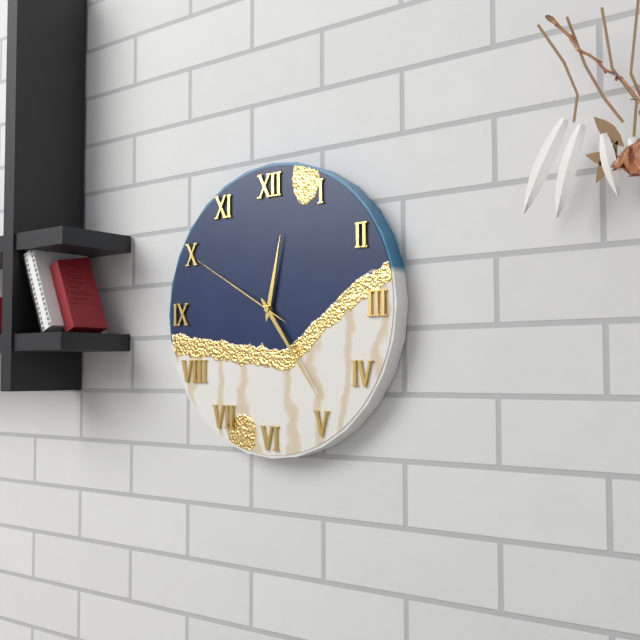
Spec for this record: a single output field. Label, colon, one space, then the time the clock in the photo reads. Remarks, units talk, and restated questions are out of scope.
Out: 12:24:50
